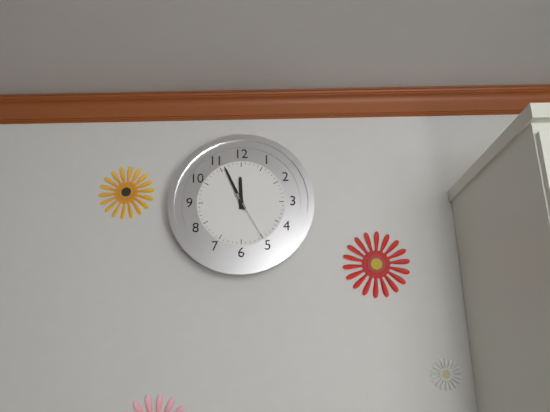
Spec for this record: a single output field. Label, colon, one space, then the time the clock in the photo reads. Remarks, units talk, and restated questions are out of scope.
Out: 11:56:25
